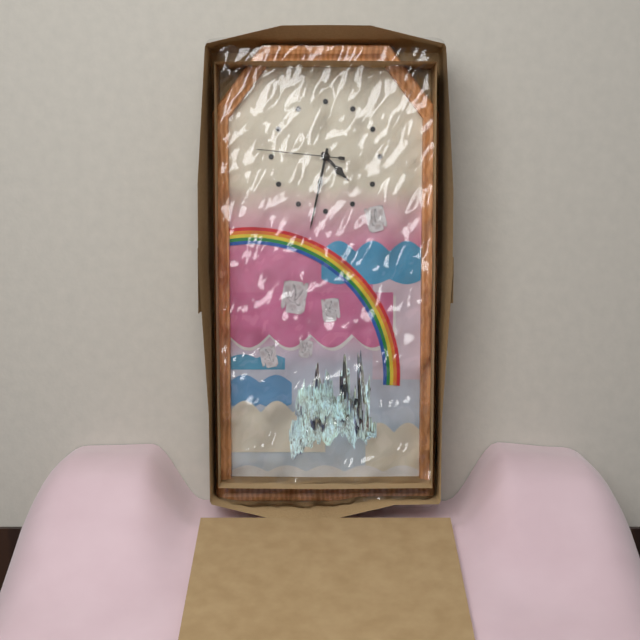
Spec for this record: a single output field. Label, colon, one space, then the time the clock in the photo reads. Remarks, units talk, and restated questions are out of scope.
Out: 4:32:46
